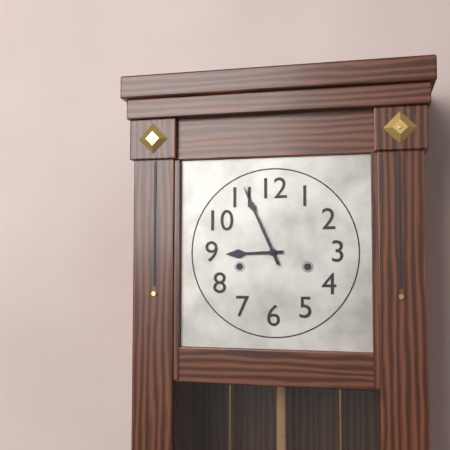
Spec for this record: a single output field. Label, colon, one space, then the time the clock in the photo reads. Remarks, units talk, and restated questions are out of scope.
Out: 8:56
